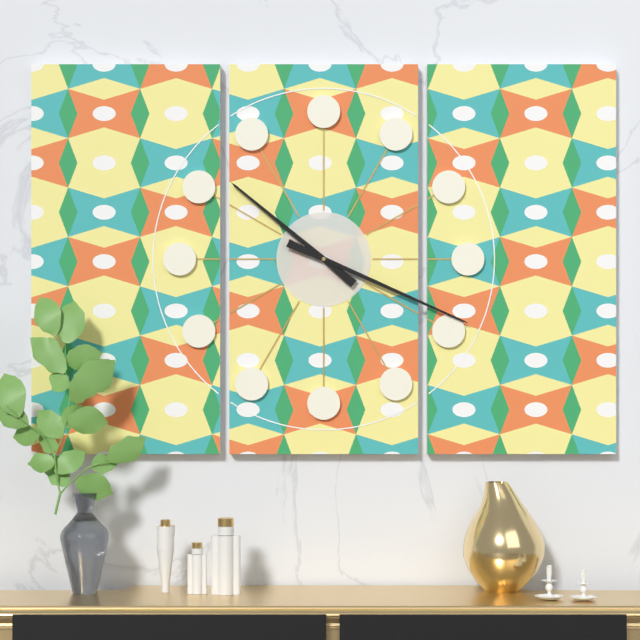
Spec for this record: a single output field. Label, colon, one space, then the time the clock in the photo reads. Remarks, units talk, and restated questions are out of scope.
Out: 10:19
